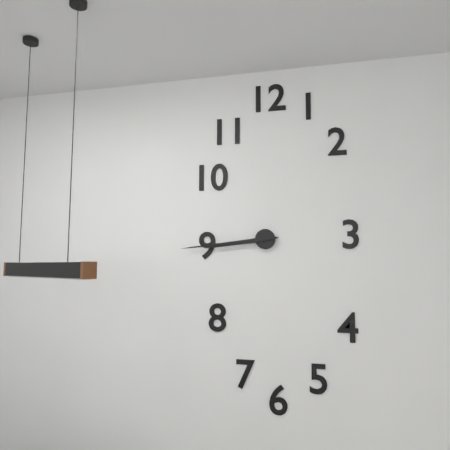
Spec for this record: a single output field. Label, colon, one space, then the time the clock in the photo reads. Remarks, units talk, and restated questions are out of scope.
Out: 8:44
